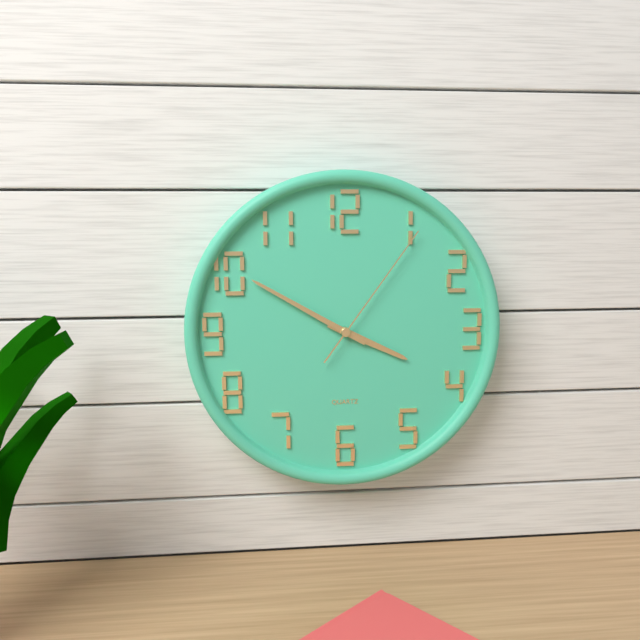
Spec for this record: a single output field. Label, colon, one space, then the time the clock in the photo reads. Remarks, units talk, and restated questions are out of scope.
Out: 3:50:06
